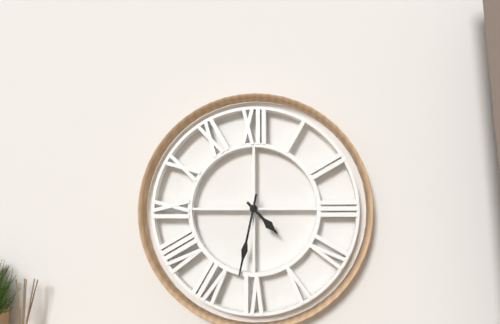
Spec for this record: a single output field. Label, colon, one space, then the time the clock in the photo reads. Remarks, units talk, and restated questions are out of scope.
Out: 4:32
